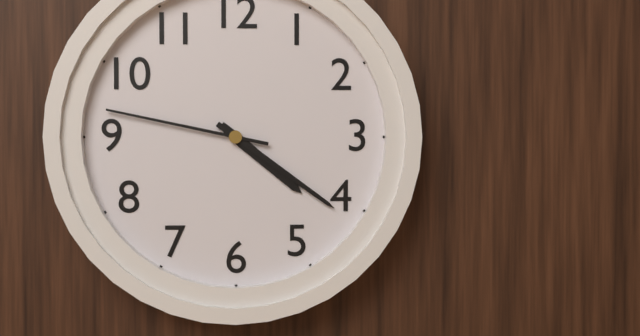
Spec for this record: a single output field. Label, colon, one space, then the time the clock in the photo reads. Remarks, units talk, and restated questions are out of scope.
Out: 4:21:47
